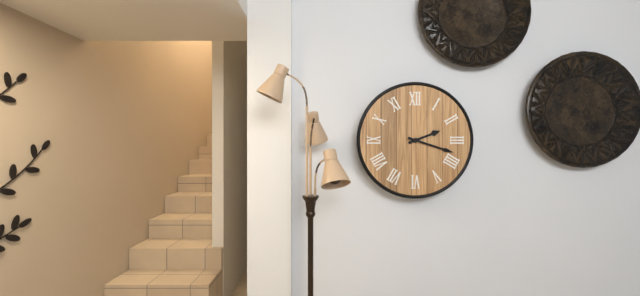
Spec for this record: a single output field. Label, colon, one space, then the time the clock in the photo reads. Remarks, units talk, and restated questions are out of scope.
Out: 2:18
